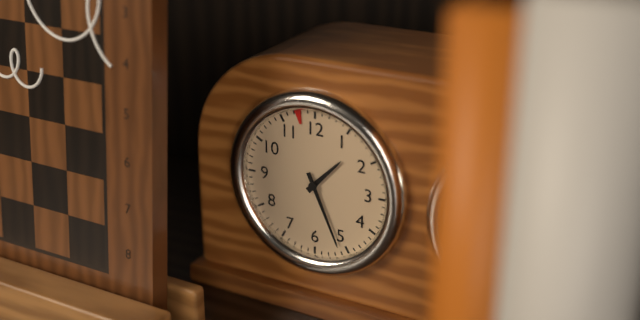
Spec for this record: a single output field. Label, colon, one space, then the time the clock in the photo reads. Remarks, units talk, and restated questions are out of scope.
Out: 1:26
